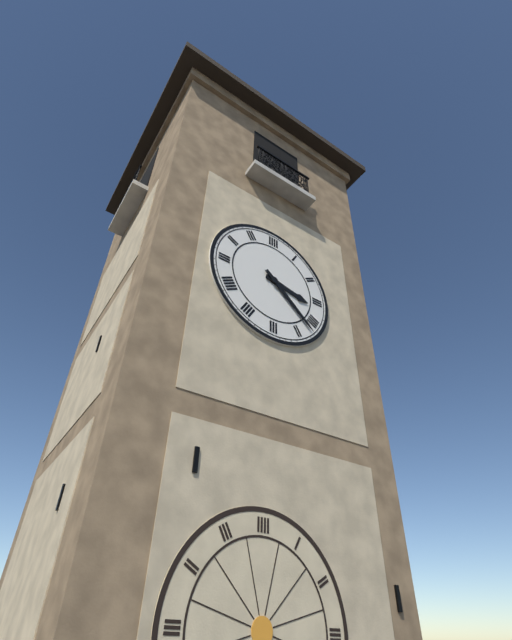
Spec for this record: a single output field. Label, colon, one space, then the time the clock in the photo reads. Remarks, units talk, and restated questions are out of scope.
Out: 3:22
